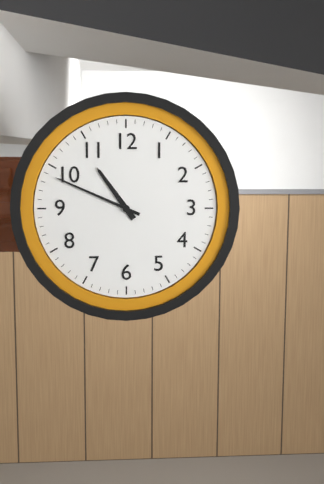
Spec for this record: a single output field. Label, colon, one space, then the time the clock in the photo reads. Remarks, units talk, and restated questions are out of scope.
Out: 10:49
